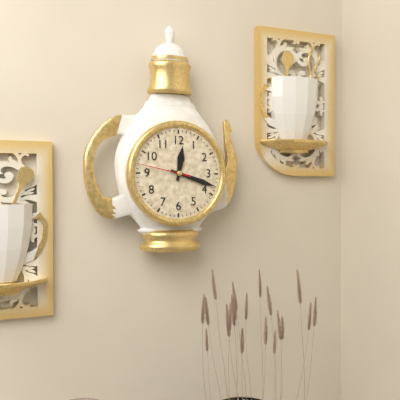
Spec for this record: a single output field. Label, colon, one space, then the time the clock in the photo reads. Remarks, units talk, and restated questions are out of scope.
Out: 12:18:47
